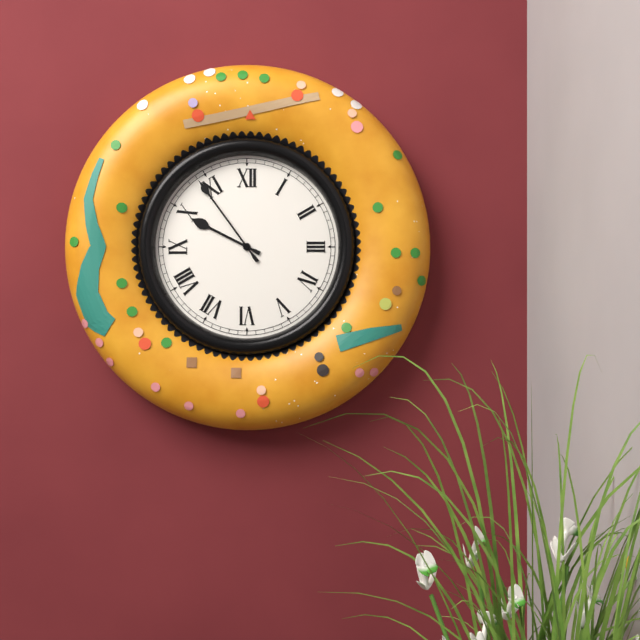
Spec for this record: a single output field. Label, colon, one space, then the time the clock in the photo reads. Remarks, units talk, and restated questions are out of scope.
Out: 9:54
